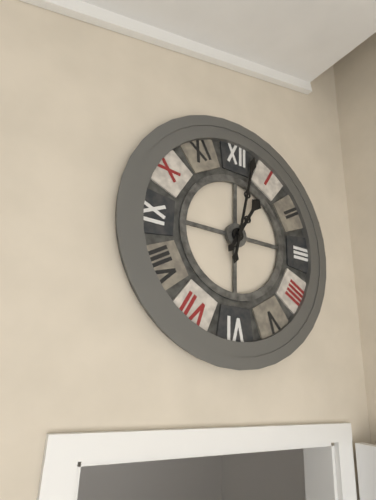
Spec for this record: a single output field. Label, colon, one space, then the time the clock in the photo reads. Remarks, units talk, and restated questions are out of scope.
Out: 1:02
